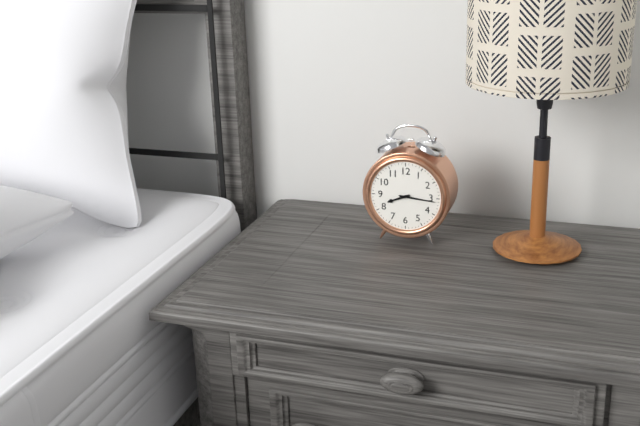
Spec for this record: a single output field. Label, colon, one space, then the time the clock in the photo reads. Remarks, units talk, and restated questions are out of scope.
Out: 8:16
